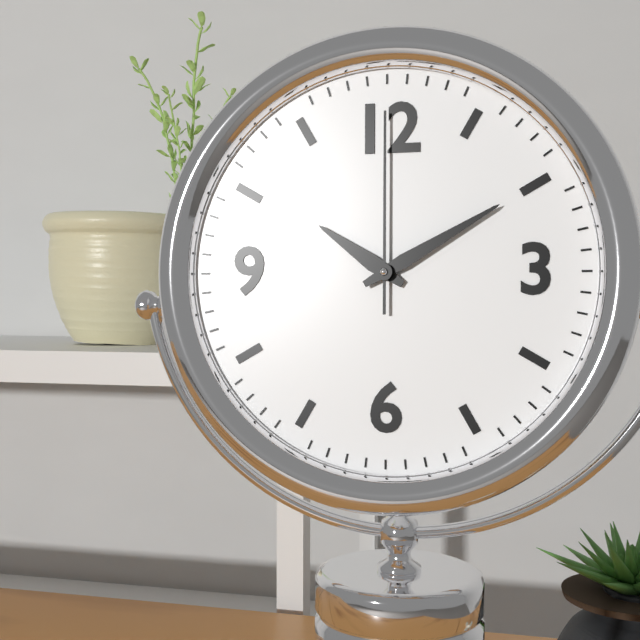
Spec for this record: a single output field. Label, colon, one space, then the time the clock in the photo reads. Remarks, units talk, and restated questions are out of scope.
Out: 10:10:00
